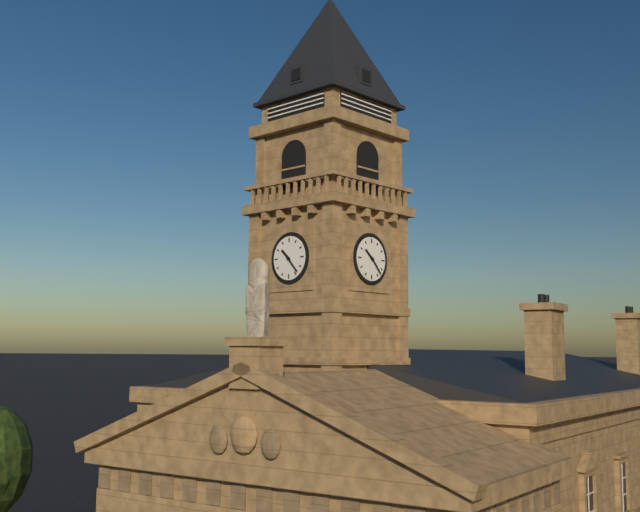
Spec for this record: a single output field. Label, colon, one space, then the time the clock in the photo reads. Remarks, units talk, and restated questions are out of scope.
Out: 10:23
